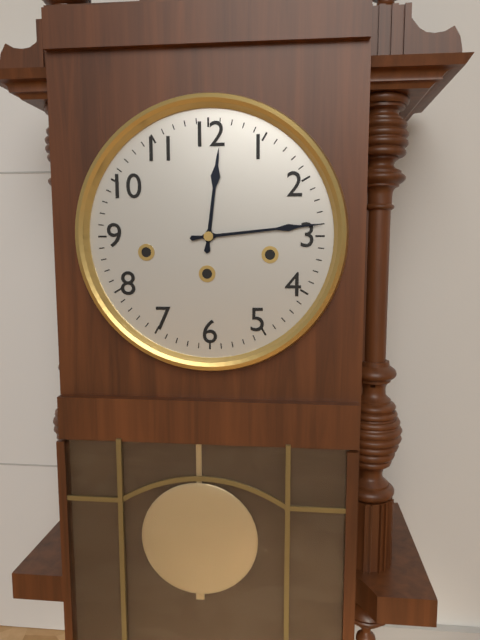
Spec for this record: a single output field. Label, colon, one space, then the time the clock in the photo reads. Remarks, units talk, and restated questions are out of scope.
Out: 12:14
